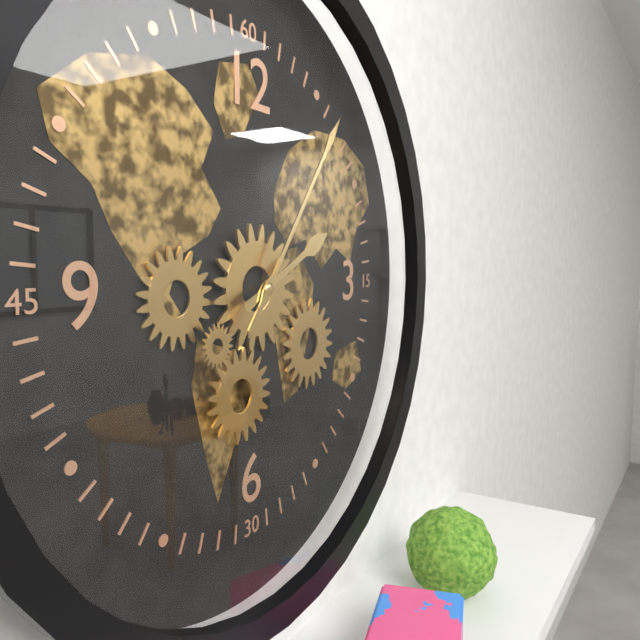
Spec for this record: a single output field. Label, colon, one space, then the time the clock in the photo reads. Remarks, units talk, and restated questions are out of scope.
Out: 2:06
